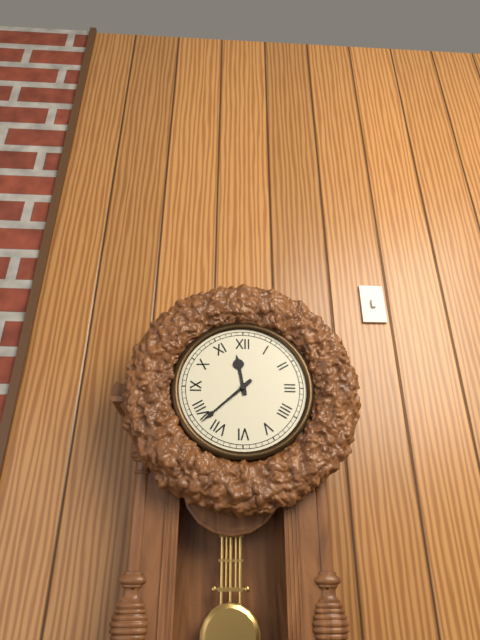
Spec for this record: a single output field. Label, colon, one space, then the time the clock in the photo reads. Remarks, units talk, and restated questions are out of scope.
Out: 11:38
